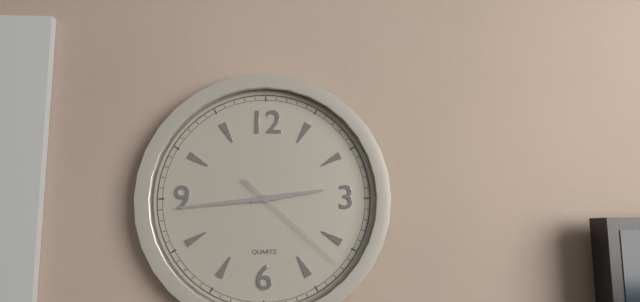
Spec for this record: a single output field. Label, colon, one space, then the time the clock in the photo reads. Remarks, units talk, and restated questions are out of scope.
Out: 2:44:22
